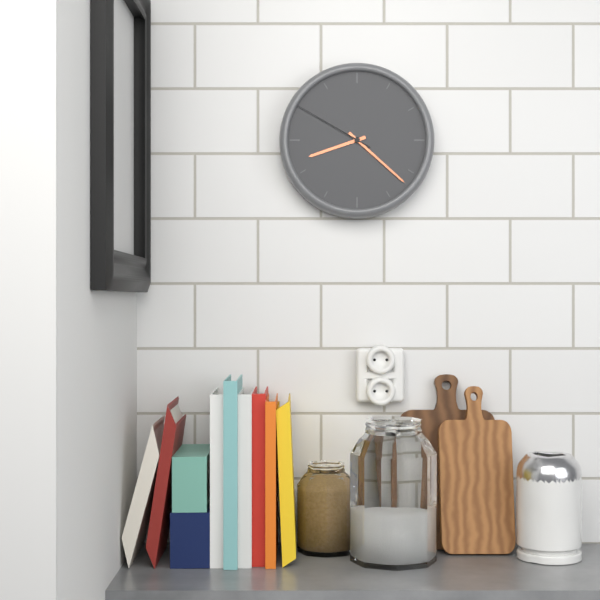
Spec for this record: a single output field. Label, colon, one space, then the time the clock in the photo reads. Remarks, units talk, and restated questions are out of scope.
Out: 8:22:50
